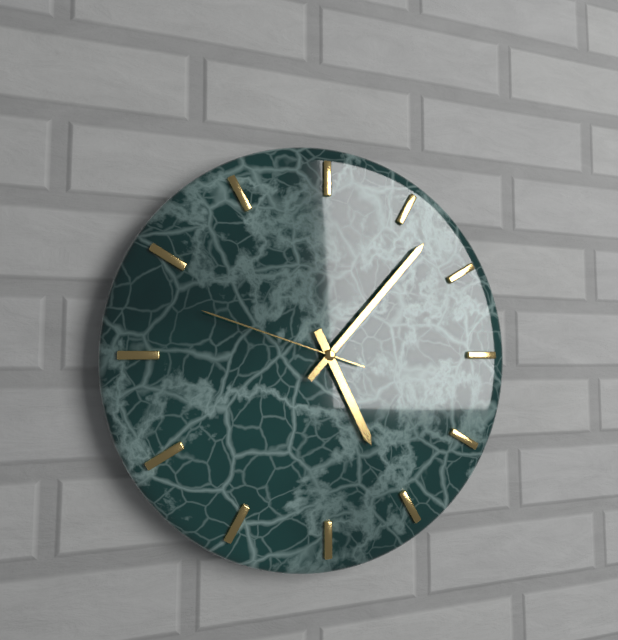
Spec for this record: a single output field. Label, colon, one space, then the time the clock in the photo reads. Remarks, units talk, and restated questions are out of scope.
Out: 5:07:48
